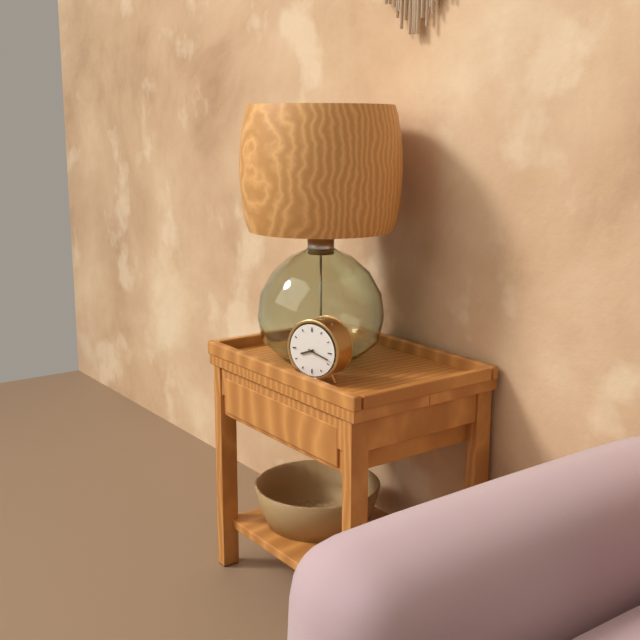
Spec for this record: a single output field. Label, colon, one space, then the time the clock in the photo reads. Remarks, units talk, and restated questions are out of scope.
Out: 8:18
